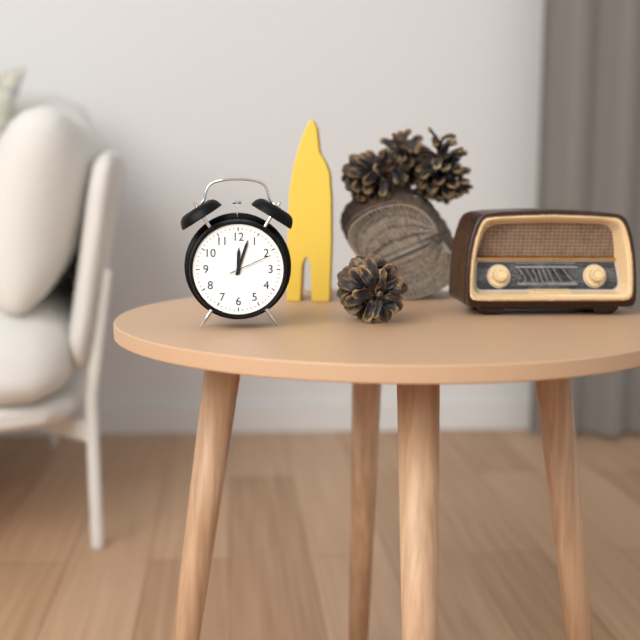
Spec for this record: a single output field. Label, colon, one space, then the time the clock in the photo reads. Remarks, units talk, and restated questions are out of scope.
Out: 12:03
